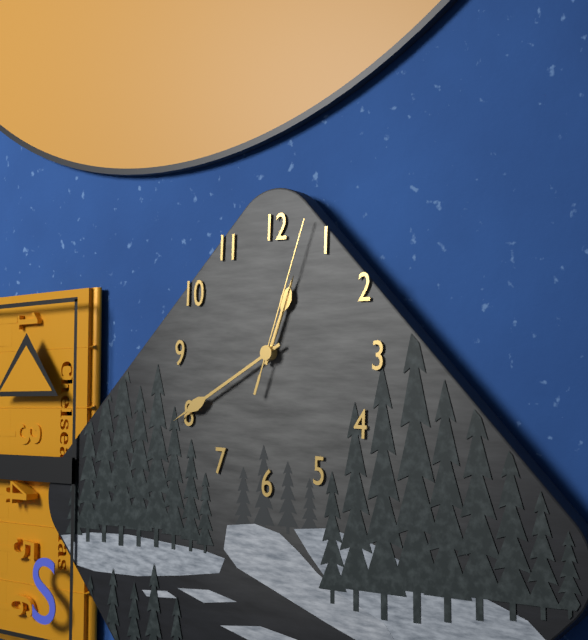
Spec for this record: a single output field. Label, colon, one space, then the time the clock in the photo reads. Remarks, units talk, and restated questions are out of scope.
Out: 12:40:03
